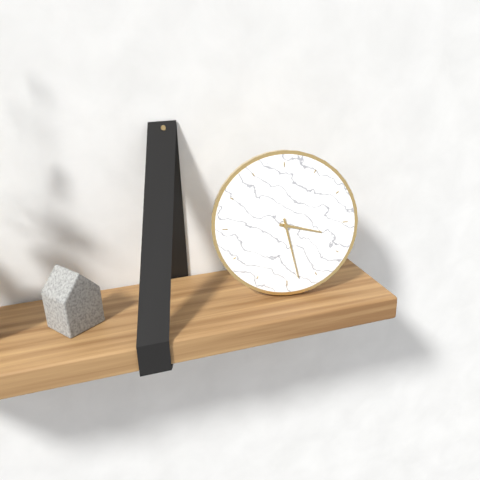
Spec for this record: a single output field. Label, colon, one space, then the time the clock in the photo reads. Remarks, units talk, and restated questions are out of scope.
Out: 3:28
